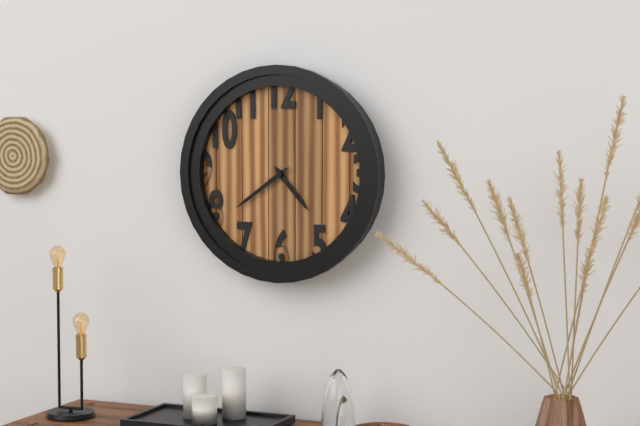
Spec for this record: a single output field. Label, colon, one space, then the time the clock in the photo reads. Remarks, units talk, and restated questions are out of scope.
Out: 4:39
